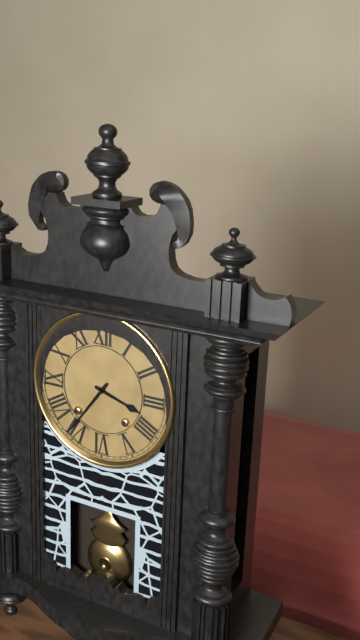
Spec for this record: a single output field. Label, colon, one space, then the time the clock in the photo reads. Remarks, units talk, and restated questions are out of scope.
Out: 3:36
